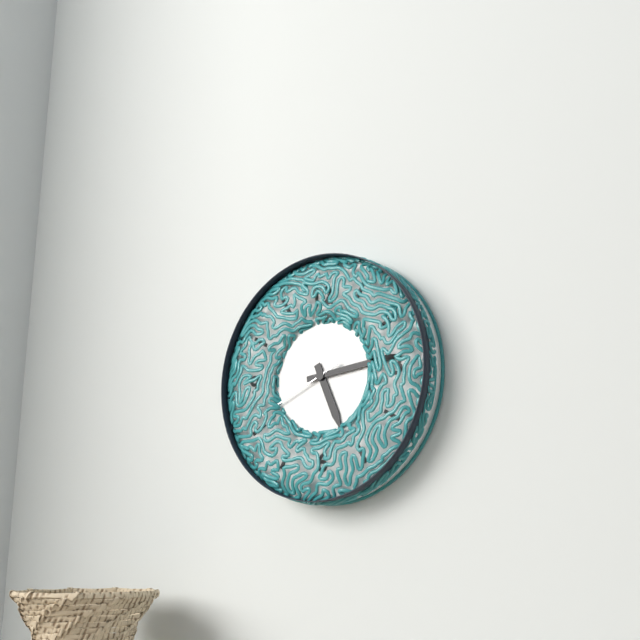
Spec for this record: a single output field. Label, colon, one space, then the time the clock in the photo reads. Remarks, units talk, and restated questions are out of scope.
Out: 5:14
